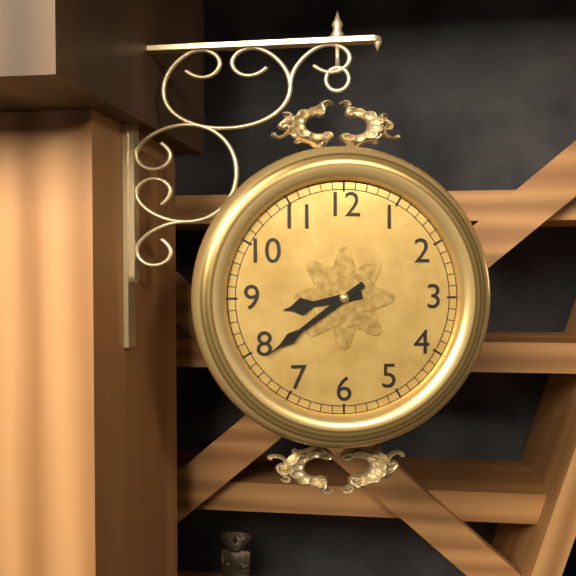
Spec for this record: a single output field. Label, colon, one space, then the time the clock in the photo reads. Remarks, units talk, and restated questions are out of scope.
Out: 8:39
